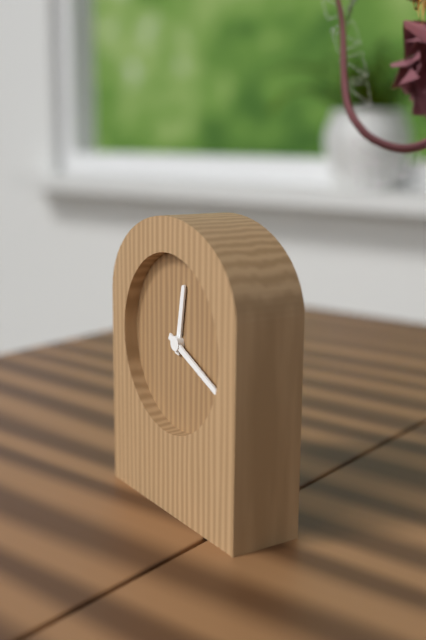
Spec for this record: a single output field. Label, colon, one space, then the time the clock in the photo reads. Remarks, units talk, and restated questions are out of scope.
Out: 12:19
